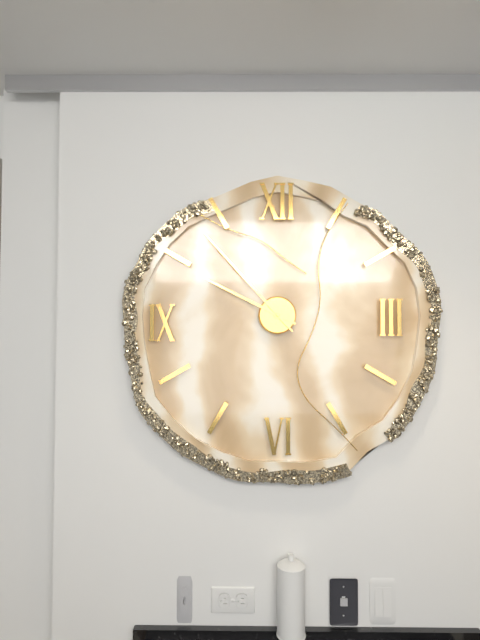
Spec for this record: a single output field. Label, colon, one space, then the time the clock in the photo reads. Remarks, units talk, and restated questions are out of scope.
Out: 9:53
